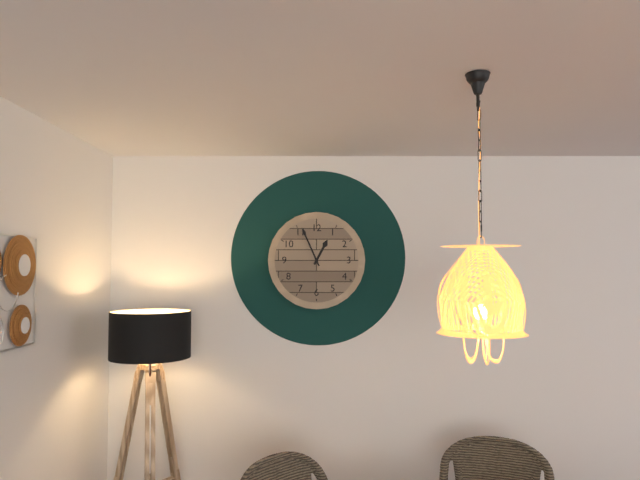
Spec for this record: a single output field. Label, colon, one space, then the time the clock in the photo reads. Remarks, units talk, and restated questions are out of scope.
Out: 12:56
